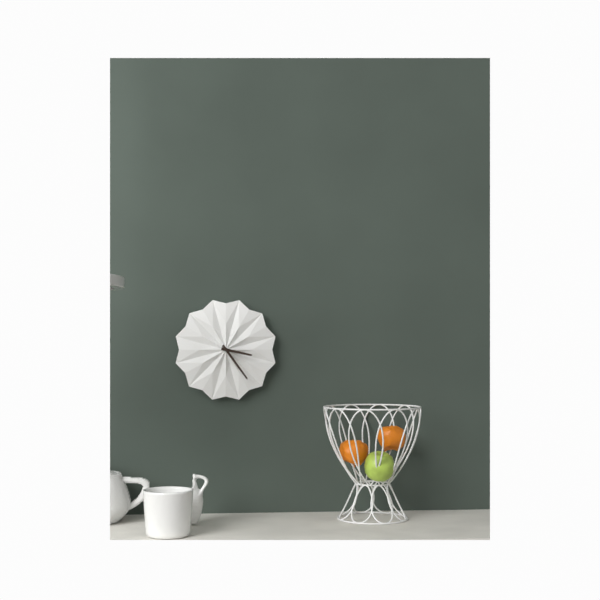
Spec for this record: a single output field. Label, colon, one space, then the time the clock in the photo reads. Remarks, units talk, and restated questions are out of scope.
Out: 3:24
